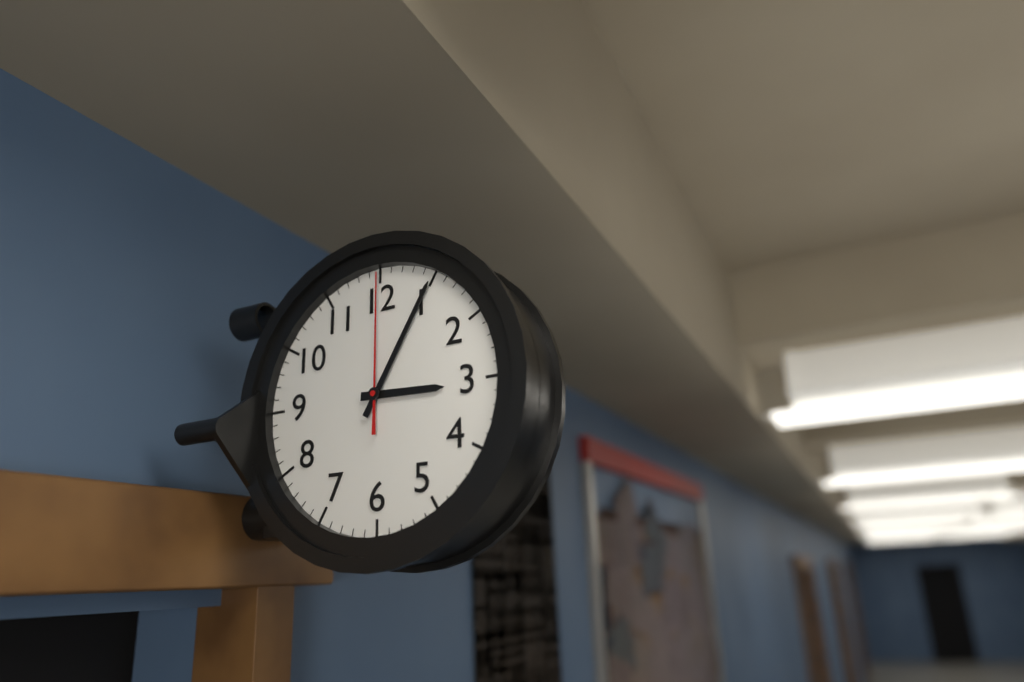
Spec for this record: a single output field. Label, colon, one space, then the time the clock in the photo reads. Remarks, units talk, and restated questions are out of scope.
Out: 3:05:00
